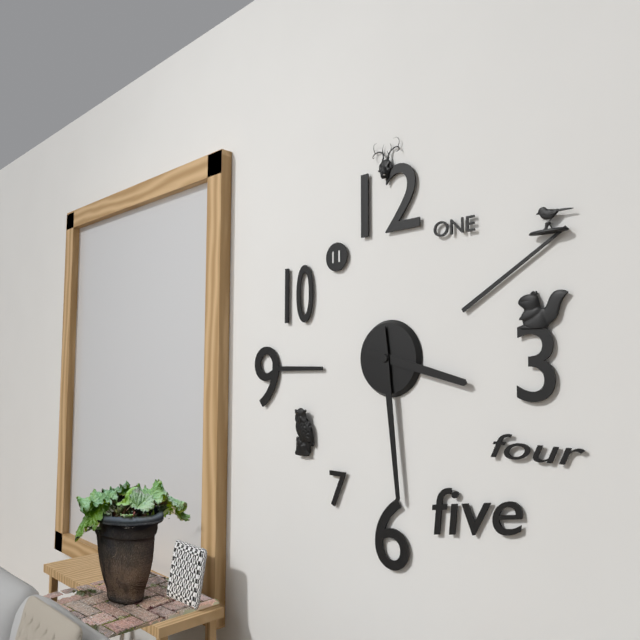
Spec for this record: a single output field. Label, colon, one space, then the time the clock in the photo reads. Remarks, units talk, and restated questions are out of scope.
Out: 3:29
